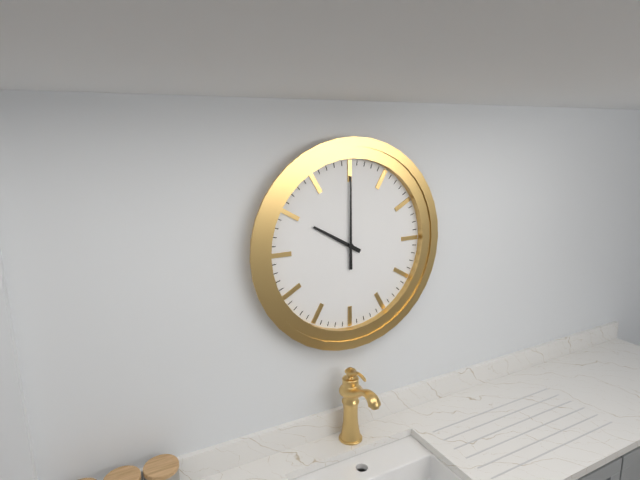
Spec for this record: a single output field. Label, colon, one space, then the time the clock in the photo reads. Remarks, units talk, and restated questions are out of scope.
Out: 10:00
